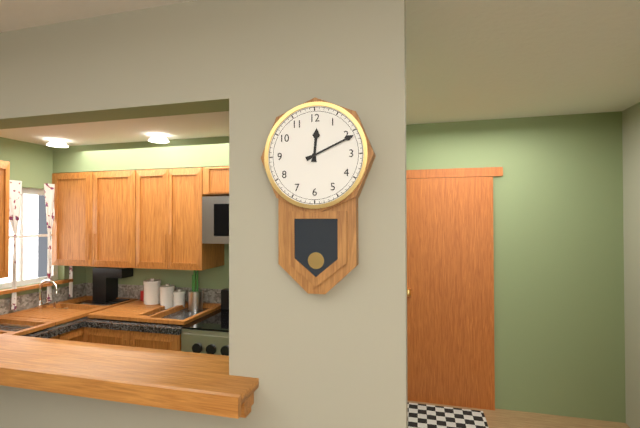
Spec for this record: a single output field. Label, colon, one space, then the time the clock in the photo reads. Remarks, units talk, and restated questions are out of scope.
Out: 12:11
